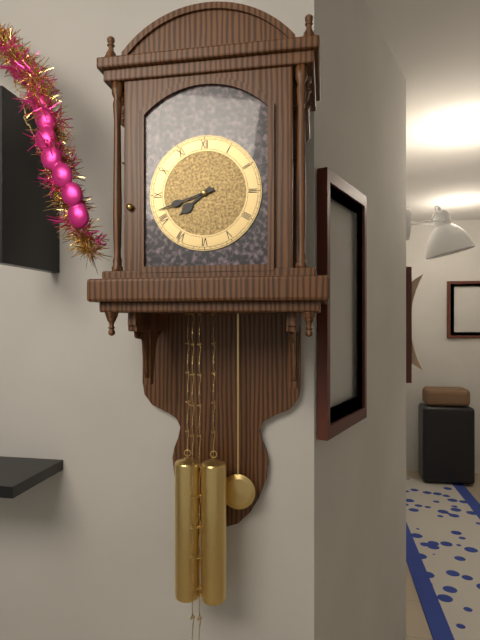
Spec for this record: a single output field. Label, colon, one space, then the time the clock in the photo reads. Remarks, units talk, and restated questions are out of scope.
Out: 7:42
